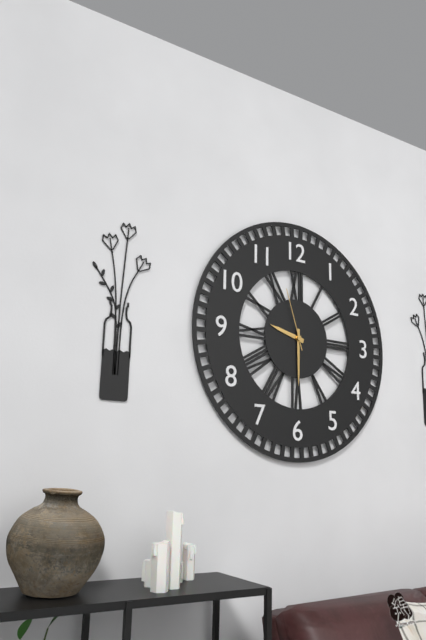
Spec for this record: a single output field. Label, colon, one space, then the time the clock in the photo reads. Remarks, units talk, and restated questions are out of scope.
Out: 9:30:57
